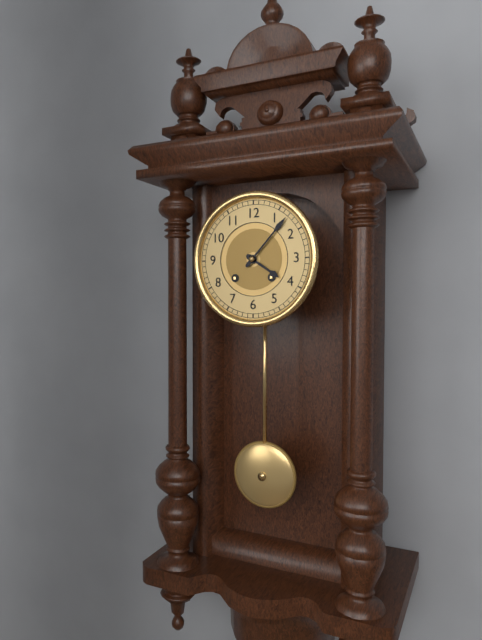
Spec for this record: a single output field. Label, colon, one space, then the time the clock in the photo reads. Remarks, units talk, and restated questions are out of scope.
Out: 4:07
